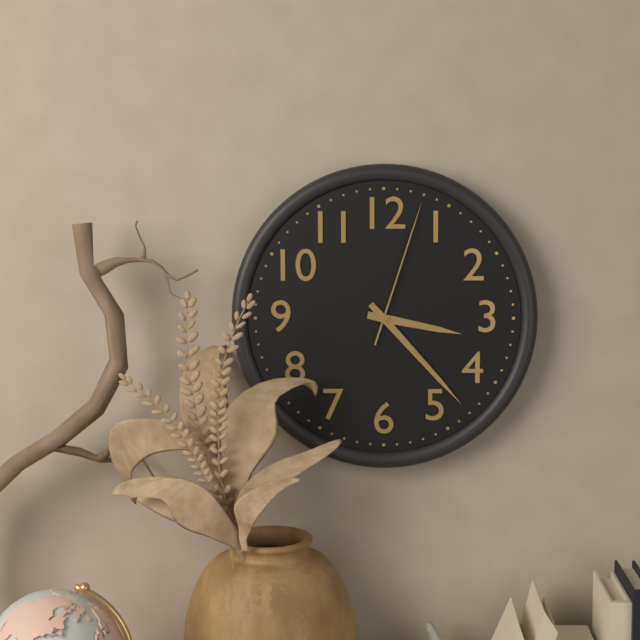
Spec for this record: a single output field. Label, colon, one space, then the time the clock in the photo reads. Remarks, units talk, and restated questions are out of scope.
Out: 3:23:03
